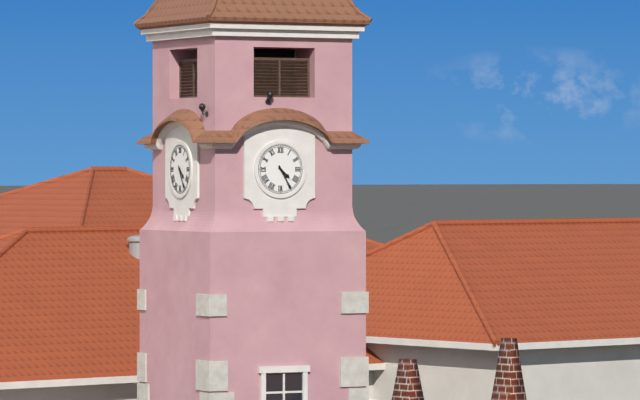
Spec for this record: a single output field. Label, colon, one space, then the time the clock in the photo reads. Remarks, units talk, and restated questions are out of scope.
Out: 4:25
